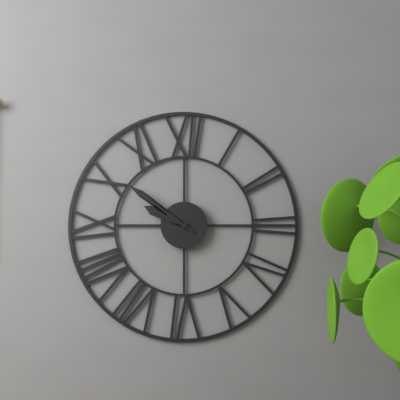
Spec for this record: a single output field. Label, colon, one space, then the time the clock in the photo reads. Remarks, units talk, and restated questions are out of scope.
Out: 9:51
